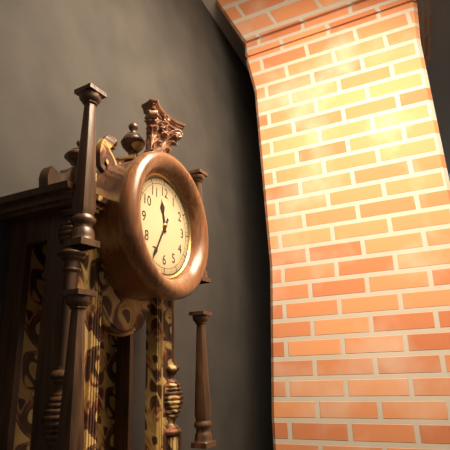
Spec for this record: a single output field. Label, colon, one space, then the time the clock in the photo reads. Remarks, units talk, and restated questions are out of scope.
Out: 11:35
